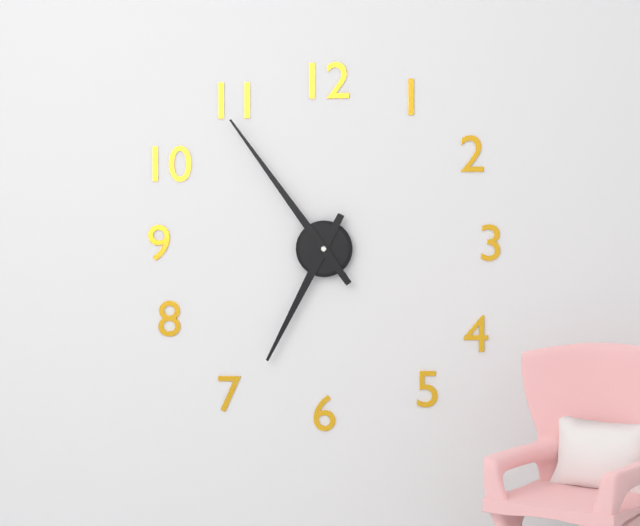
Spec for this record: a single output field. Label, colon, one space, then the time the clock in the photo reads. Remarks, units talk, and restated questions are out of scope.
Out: 6:54
